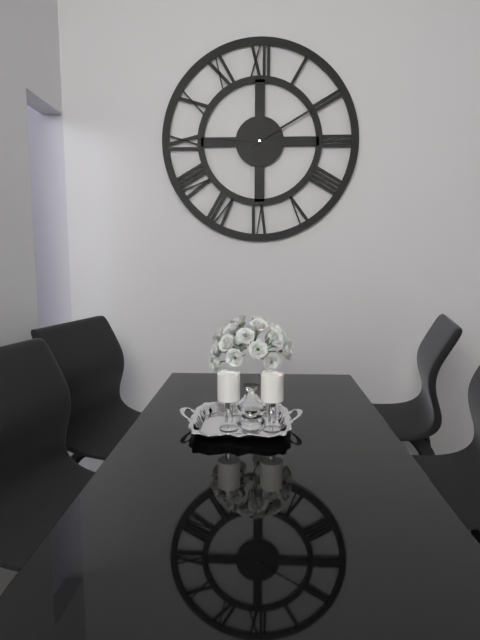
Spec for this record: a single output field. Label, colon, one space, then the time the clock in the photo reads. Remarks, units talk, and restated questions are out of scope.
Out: 9:10
